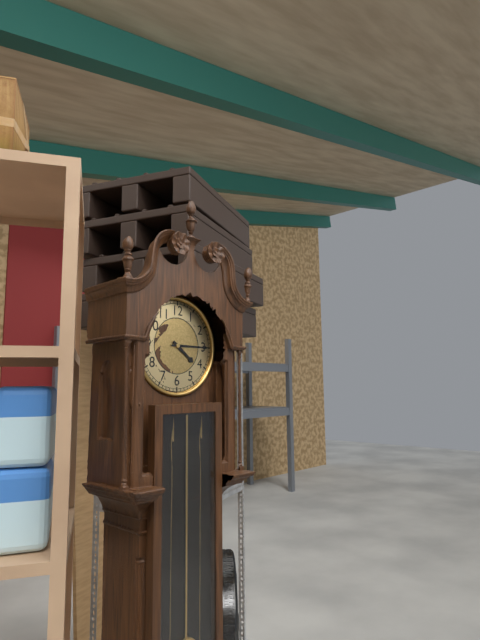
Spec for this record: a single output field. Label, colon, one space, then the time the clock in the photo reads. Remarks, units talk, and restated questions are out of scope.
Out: 4:15
